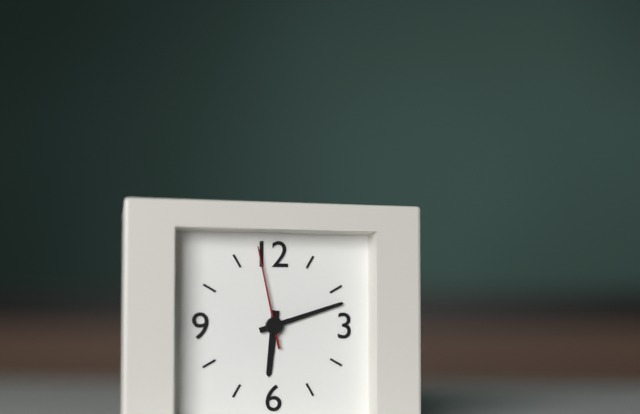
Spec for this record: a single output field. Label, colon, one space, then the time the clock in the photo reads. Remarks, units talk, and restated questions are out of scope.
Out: 6:12:58
